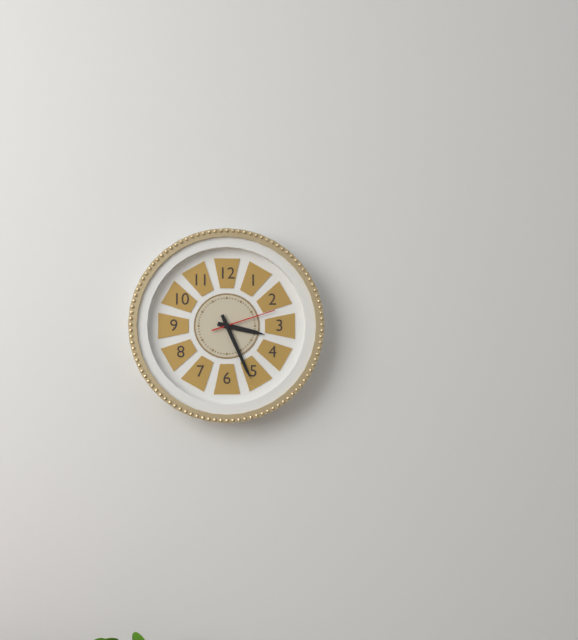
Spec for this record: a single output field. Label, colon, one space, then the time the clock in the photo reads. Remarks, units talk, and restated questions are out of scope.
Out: 3:26:12
